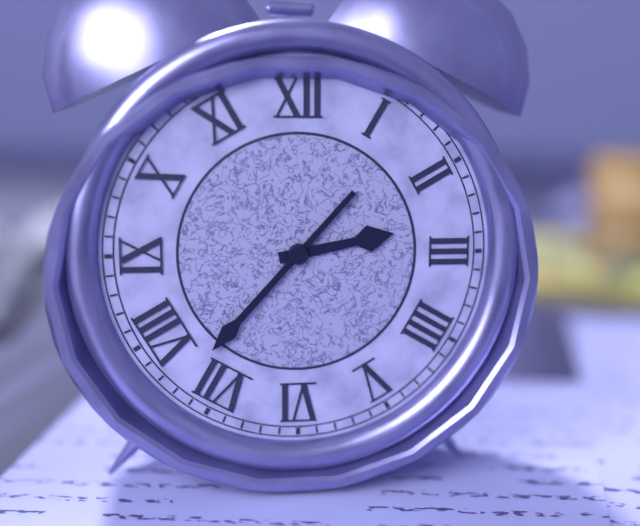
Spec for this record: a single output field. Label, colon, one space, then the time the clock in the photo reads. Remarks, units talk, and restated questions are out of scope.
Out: 2:37
